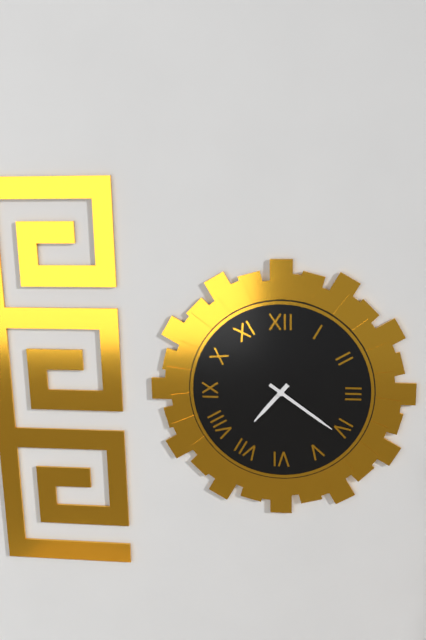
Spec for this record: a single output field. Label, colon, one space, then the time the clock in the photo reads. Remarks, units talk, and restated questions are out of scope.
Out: 7:21
